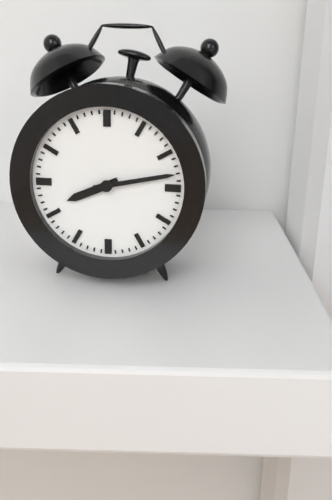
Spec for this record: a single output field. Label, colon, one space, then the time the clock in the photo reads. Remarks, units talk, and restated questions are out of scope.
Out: 8:13
